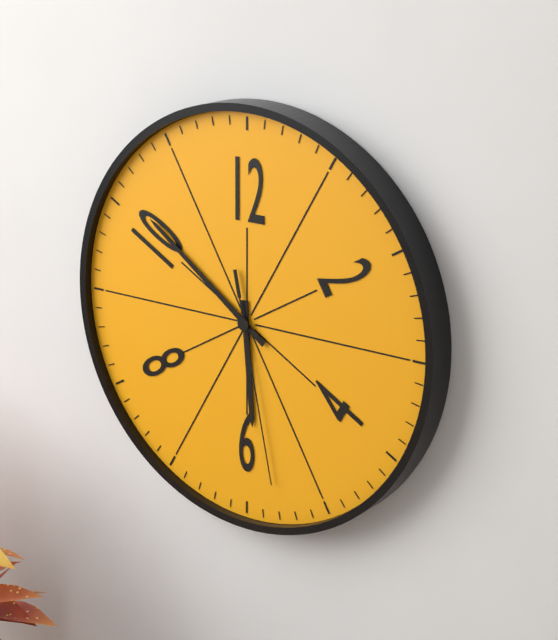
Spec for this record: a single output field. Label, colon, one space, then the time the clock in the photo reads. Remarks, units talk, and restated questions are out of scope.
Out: 5:51:28
